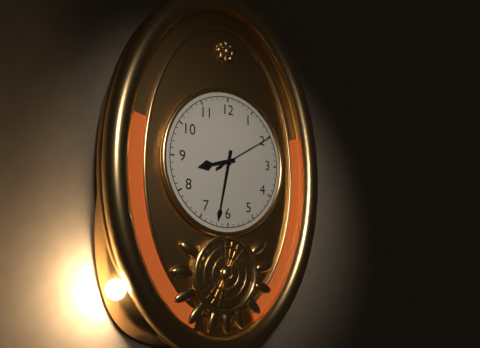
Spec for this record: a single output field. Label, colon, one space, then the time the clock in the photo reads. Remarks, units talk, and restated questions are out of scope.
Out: 8:32:10
